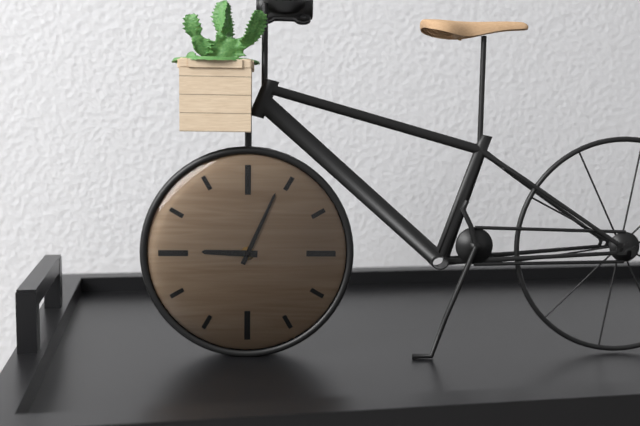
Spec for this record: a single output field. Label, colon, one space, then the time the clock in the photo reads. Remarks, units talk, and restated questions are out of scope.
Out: 9:04
